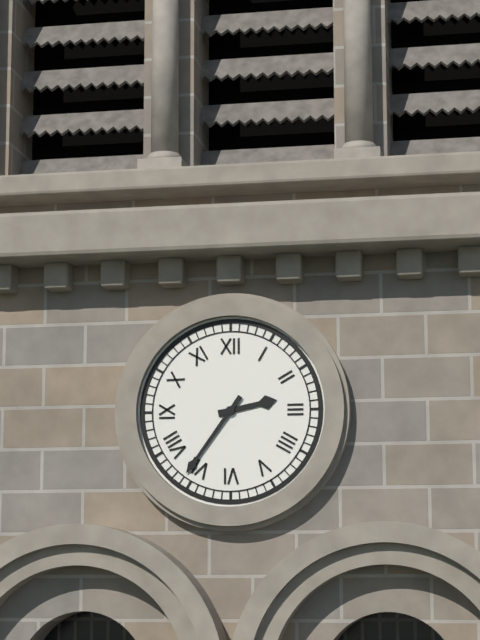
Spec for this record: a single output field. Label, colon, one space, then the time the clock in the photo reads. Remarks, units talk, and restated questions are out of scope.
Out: 2:36
